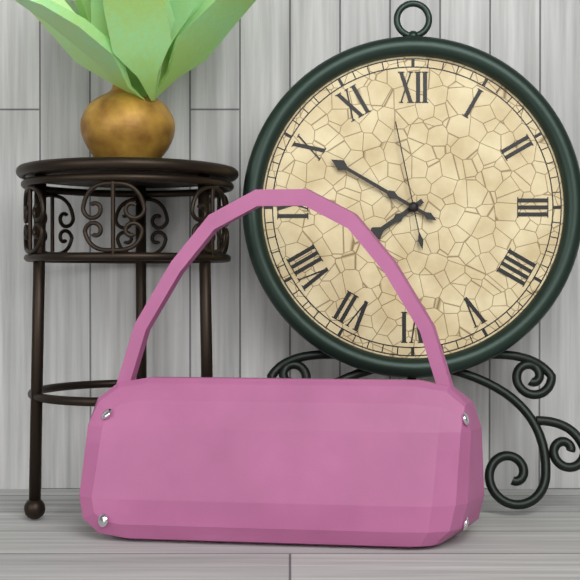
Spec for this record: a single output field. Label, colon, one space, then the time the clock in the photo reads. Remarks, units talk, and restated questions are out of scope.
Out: 7:50:58
